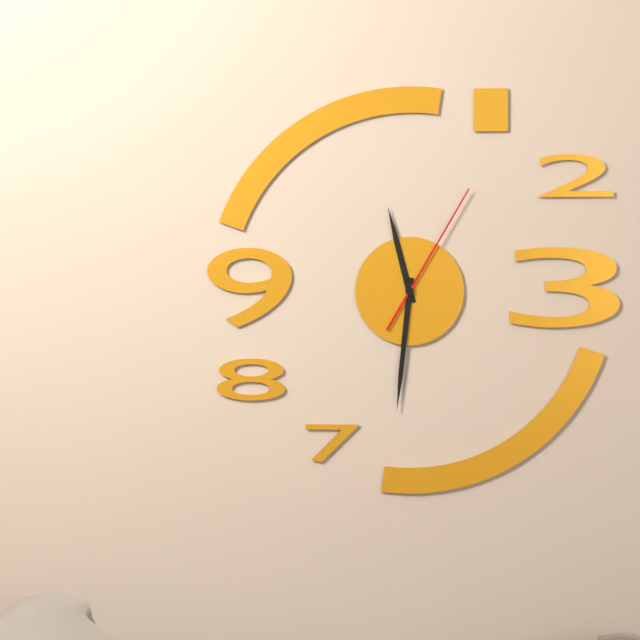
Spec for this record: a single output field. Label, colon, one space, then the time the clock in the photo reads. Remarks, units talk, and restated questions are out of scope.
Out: 11:31:05
